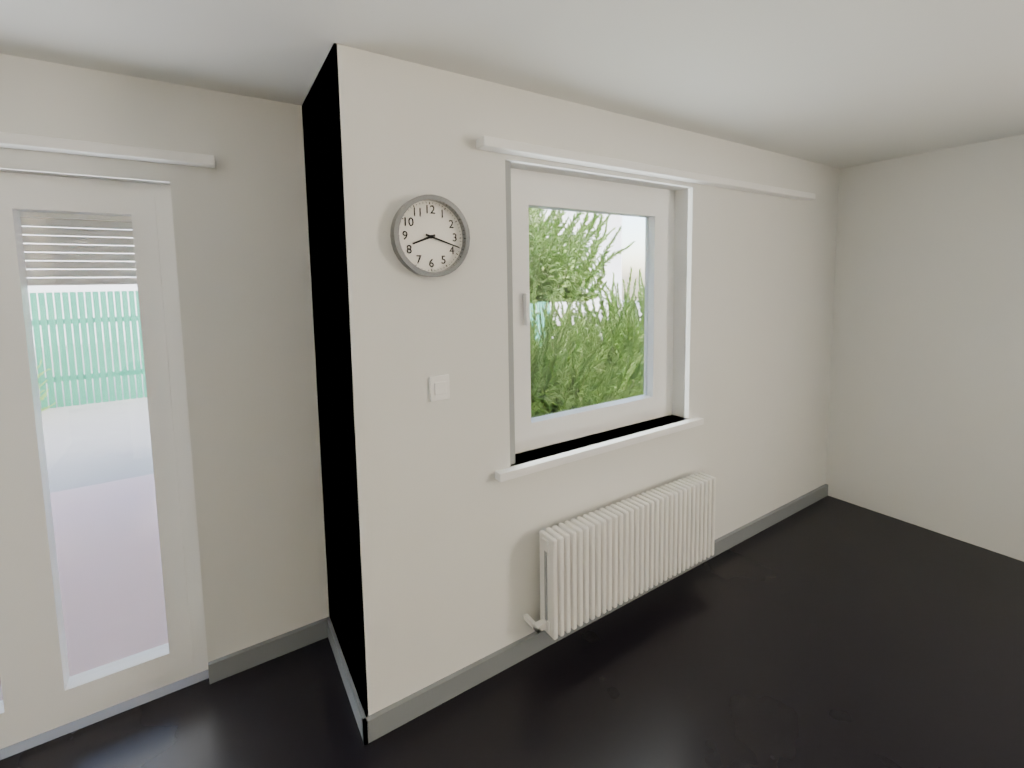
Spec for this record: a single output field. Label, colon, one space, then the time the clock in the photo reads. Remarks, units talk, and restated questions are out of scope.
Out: 8:18
